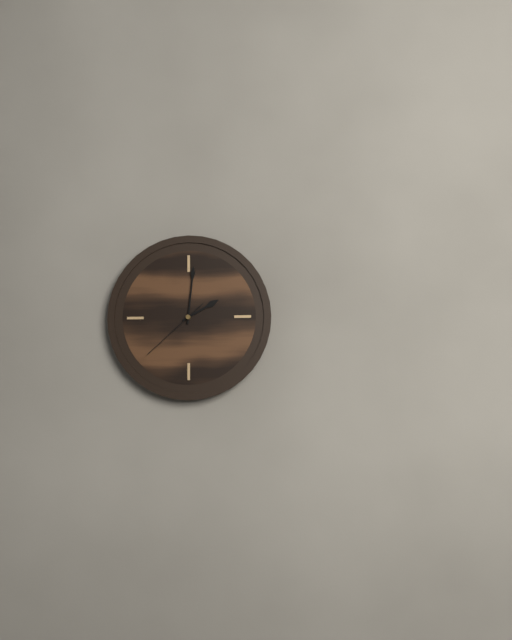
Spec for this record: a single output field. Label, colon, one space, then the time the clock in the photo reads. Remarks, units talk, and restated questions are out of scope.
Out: 2:01:38
